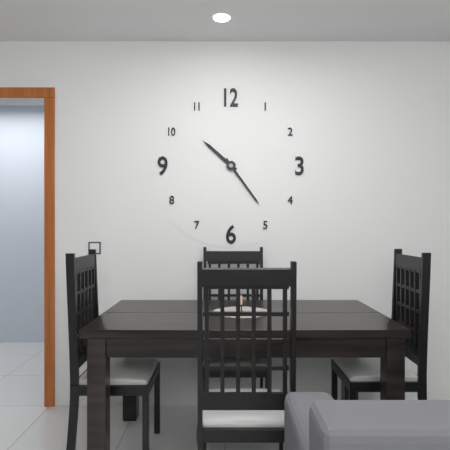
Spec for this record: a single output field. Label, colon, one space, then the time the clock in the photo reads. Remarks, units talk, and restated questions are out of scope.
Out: 10:24
